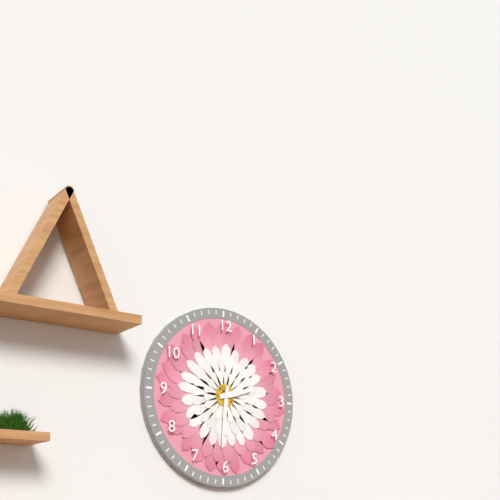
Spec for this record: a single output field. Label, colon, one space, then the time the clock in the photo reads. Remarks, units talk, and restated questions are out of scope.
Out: 2:31
